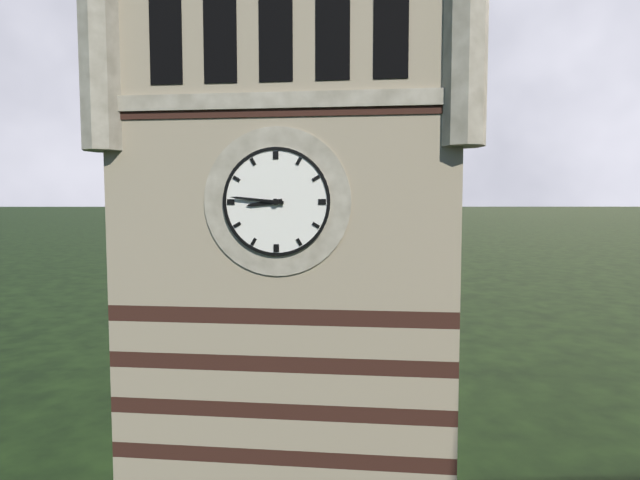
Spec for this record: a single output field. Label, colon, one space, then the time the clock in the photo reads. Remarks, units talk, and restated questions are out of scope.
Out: 8:46
